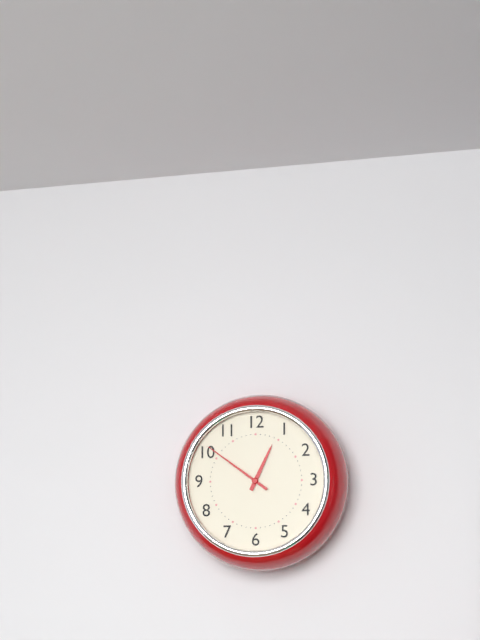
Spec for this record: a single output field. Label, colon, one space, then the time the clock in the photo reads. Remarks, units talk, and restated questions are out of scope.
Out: 12:51
